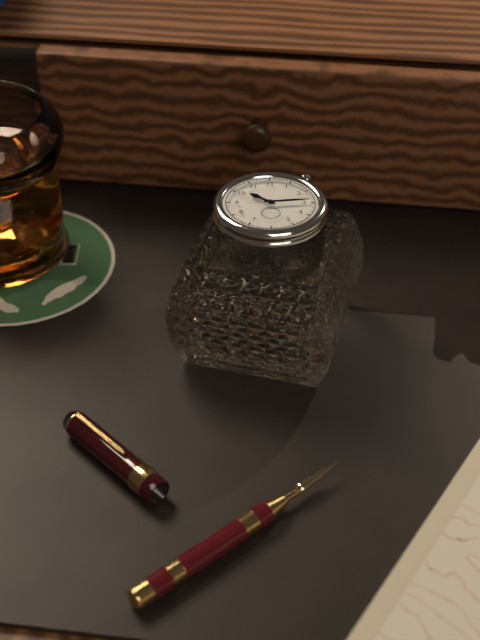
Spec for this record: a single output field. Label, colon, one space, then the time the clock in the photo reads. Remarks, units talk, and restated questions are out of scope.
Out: 10:14
